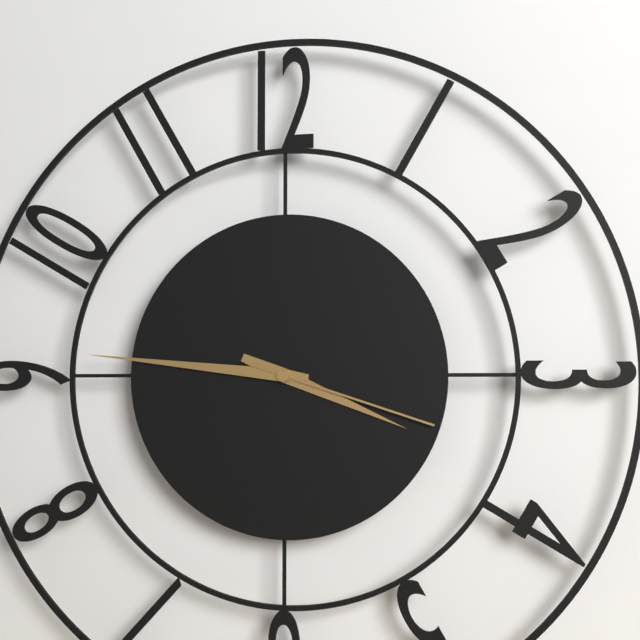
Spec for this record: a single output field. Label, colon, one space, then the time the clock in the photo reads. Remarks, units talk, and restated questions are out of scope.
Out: 3:46:18
